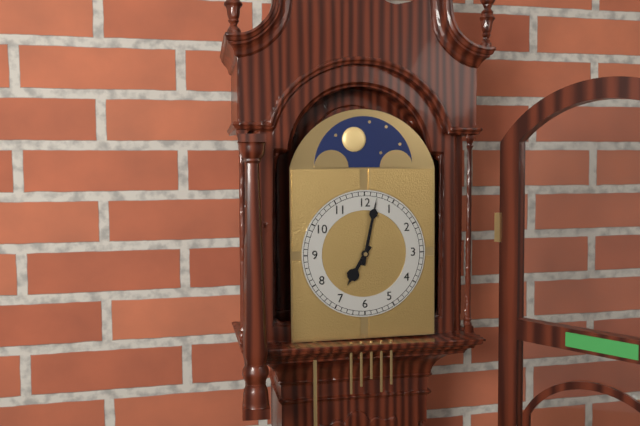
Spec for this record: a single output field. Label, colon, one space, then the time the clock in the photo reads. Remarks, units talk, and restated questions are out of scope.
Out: 7:02
